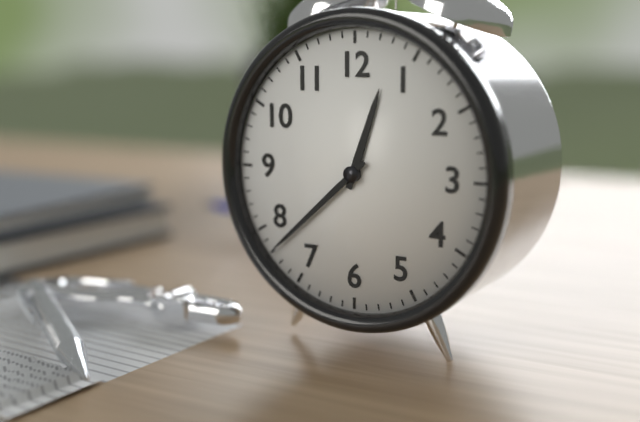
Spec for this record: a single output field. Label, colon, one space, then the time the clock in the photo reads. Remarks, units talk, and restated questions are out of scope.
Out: 12:38
